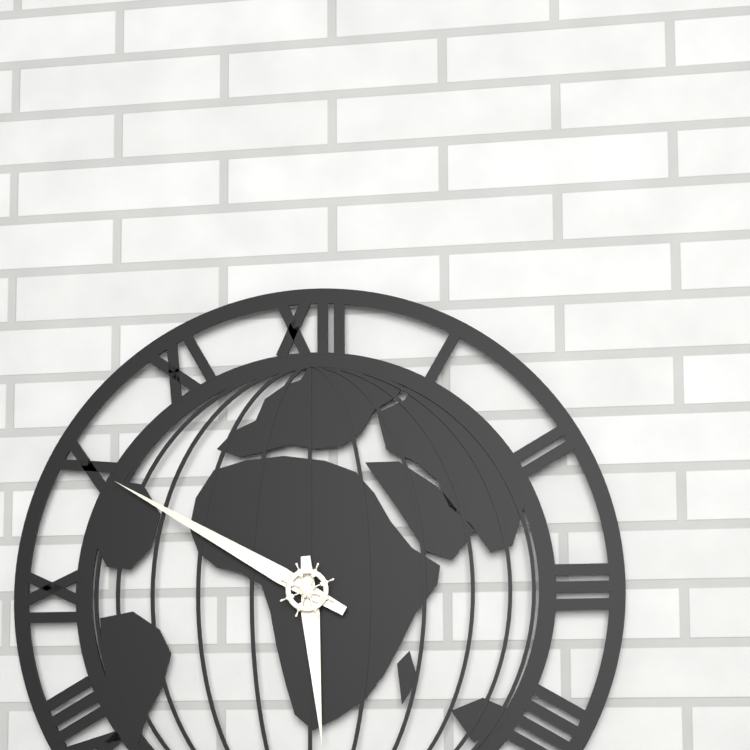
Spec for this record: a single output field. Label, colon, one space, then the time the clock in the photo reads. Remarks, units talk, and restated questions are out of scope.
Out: 5:50
